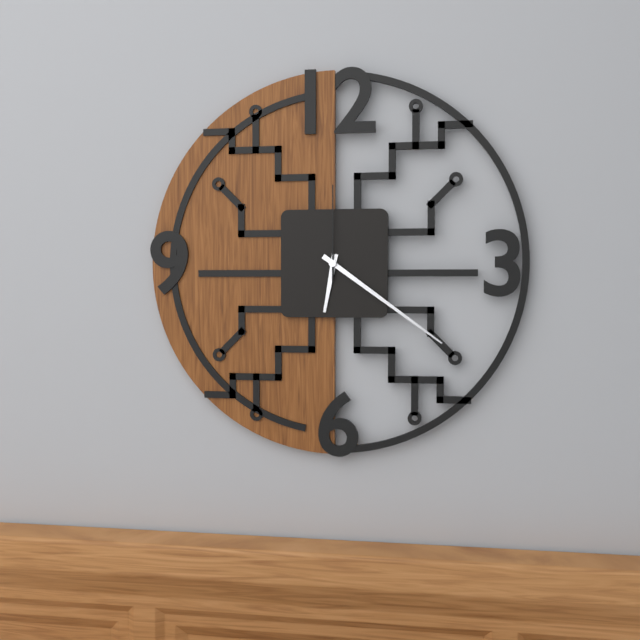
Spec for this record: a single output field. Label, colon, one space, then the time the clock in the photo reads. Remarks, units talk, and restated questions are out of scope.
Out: 6:21:00
